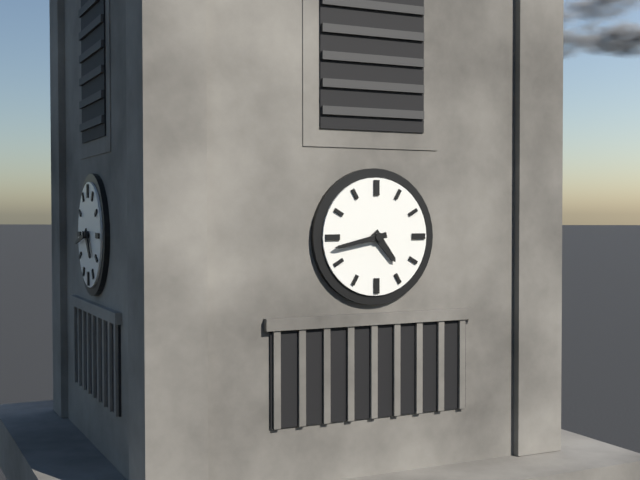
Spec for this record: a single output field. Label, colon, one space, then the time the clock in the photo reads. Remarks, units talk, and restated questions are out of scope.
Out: 4:43
